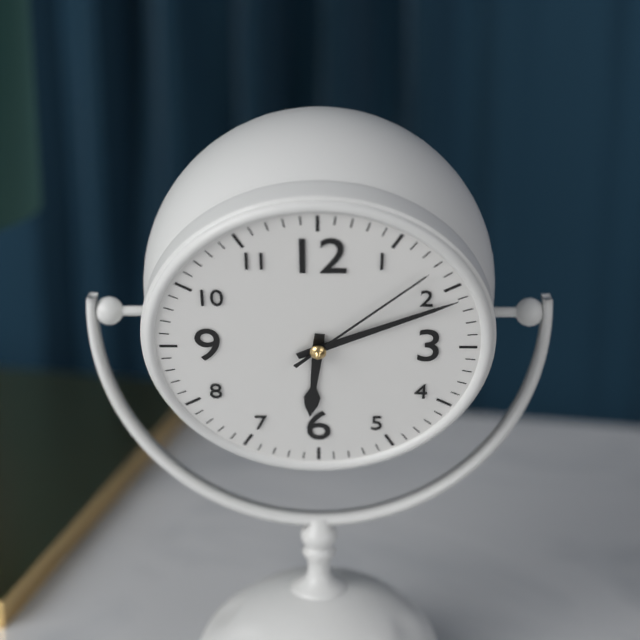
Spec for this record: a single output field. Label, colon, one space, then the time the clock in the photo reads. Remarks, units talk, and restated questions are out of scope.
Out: 6:11:08
